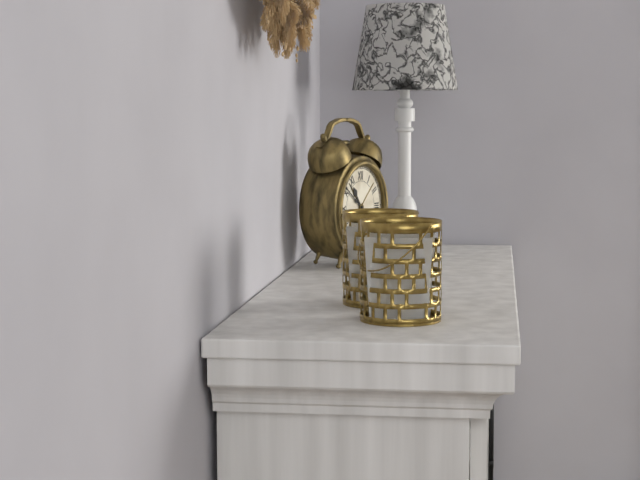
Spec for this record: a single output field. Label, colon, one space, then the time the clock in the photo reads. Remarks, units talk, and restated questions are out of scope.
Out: 10:51
